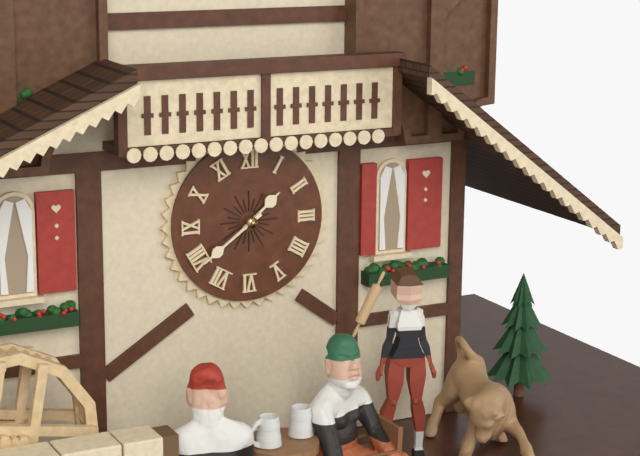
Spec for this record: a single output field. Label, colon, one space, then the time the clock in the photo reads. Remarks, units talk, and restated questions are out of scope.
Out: 1:39
